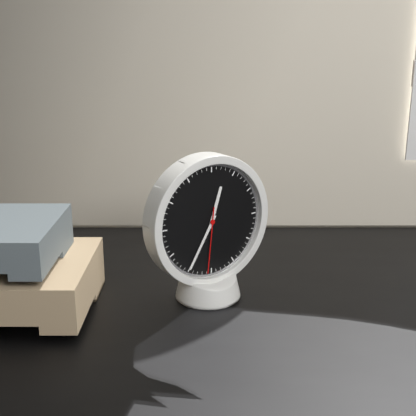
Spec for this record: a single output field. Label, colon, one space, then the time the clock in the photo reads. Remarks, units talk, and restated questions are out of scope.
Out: 12:35:31
